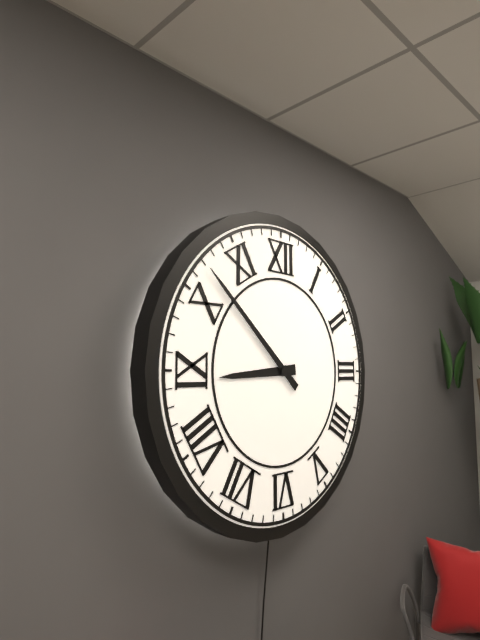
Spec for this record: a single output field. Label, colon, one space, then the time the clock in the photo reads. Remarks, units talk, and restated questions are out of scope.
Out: 8:52
